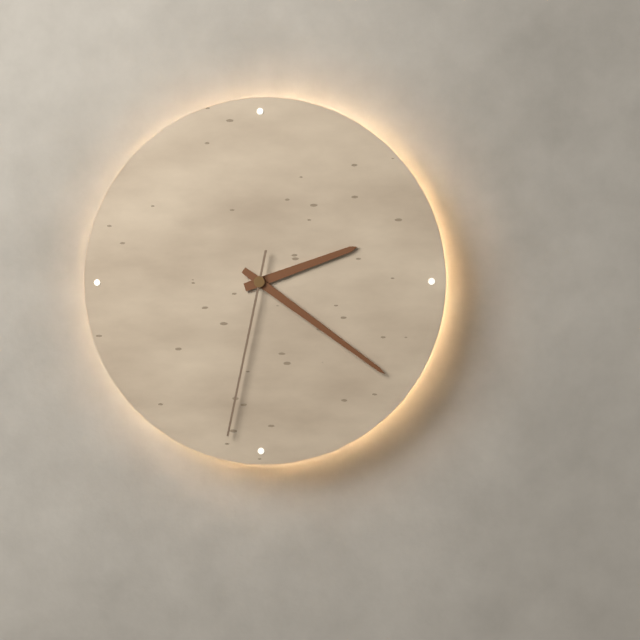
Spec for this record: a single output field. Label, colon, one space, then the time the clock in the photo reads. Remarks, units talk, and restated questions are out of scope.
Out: 2:21:32
